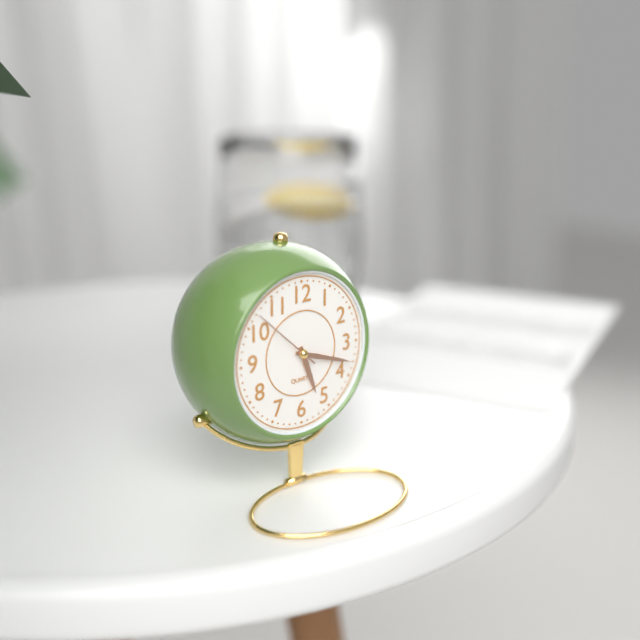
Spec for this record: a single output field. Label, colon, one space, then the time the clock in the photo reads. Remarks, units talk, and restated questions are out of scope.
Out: 5:18:52
